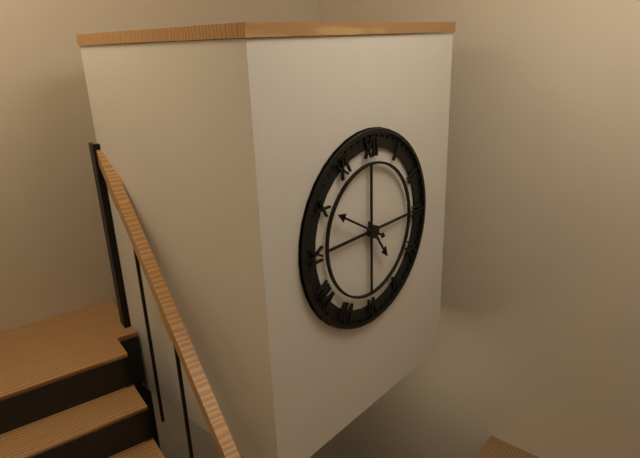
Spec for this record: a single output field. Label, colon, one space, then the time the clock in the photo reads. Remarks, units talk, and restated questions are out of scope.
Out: 4:50
